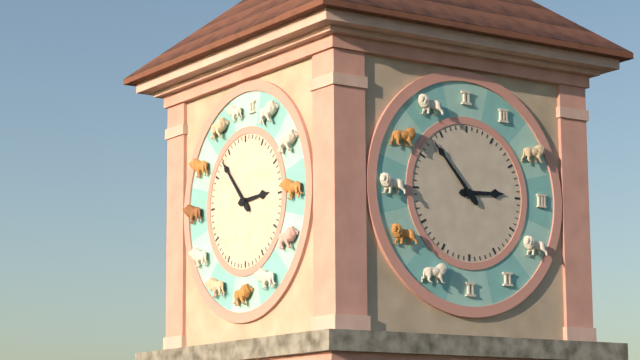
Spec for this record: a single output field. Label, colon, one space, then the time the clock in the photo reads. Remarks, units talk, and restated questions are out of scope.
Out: 2:53
